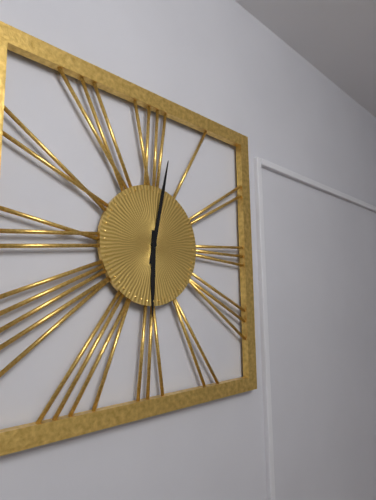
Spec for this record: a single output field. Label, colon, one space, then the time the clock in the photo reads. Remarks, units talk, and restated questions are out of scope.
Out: 6:02
